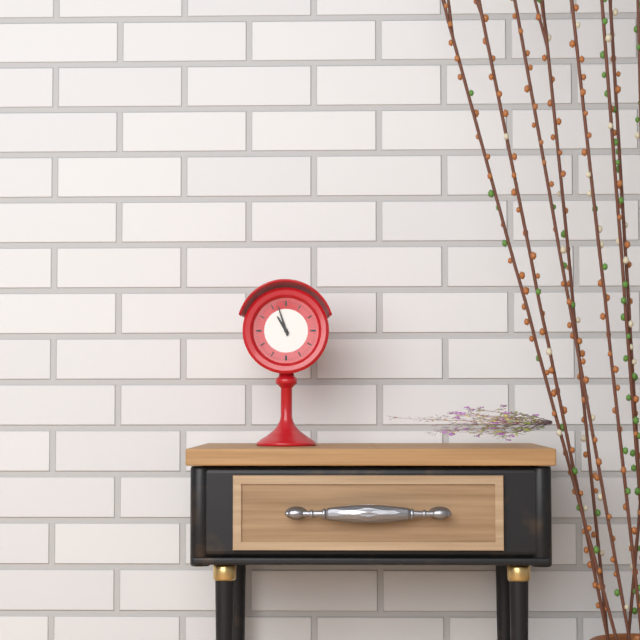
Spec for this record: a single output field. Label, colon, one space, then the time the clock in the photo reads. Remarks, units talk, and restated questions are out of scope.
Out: 10:57
